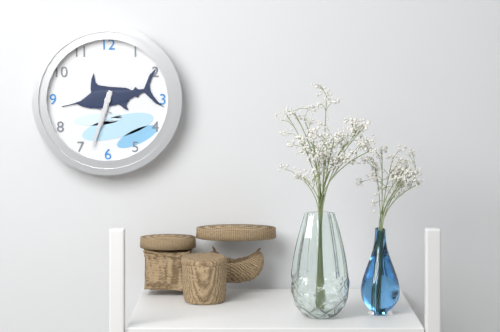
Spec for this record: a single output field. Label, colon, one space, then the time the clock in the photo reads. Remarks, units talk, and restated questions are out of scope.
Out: 6:33
